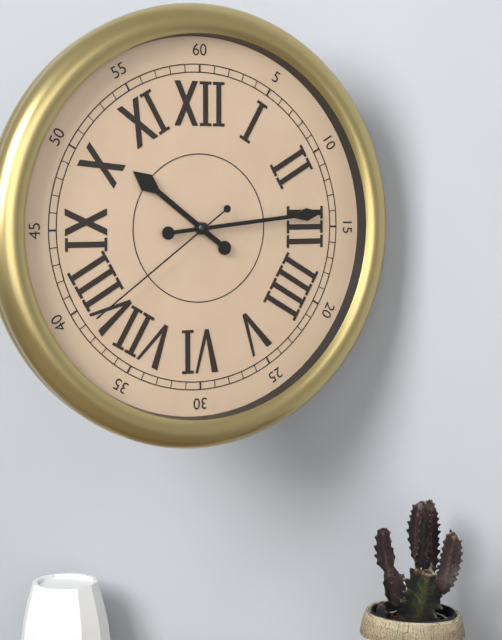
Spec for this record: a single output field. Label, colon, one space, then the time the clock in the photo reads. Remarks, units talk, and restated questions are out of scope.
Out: 10:14:39
